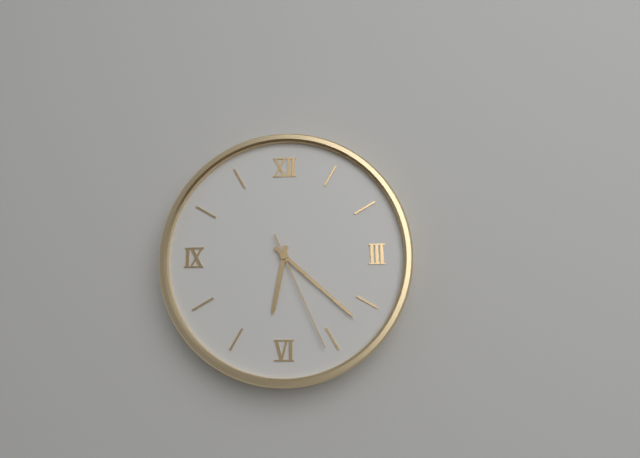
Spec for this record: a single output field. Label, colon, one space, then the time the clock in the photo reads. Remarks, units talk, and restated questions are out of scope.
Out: 6:22:26
